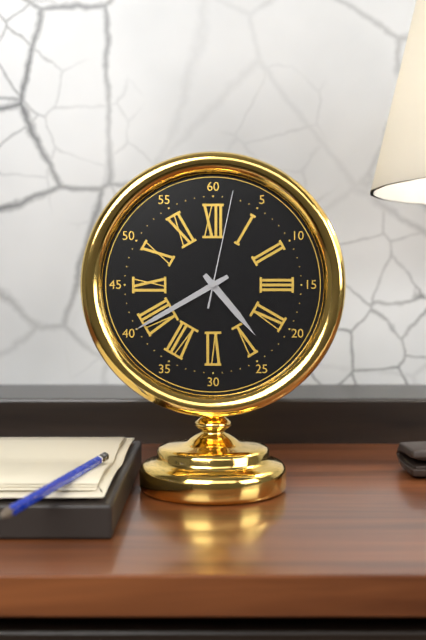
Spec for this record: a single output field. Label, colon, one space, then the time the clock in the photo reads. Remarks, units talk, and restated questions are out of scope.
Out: 4:40:02
